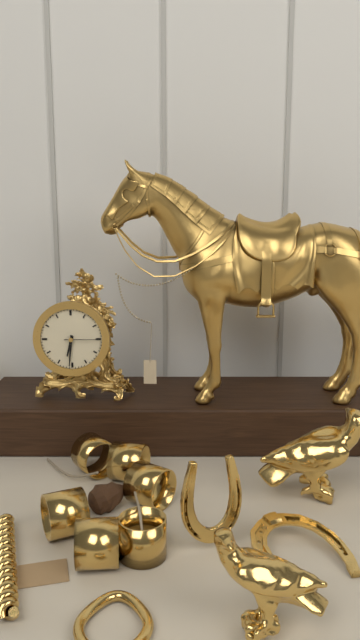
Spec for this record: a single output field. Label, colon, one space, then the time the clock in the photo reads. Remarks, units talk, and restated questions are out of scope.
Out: 6:31
